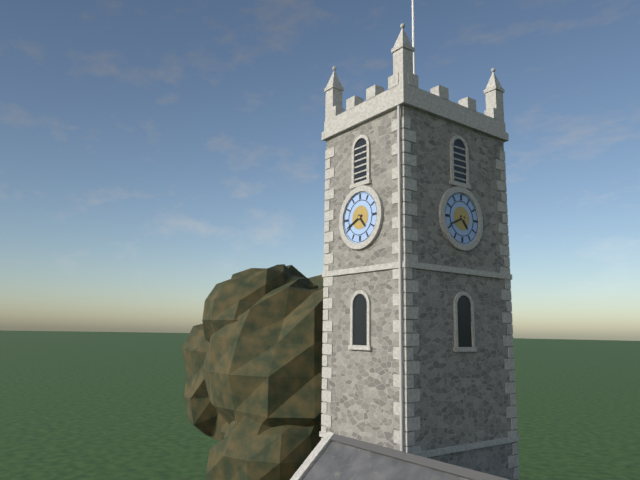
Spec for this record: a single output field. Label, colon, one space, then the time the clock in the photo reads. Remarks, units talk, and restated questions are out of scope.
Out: 4:41
